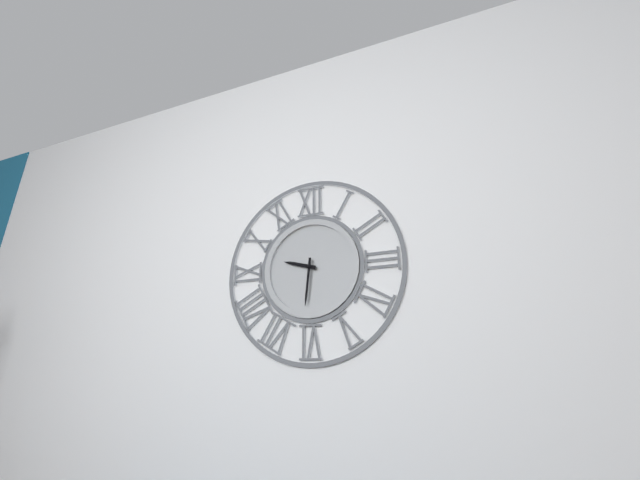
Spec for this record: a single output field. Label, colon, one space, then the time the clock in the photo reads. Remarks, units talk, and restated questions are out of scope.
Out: 9:31
